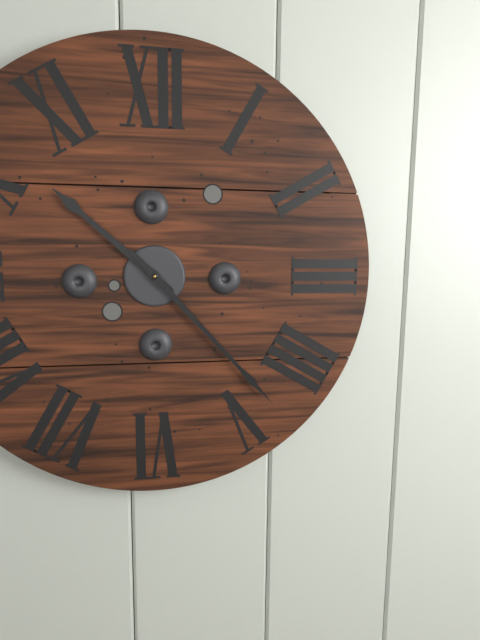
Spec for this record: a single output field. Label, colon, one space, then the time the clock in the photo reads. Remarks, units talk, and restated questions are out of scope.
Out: 10:23
